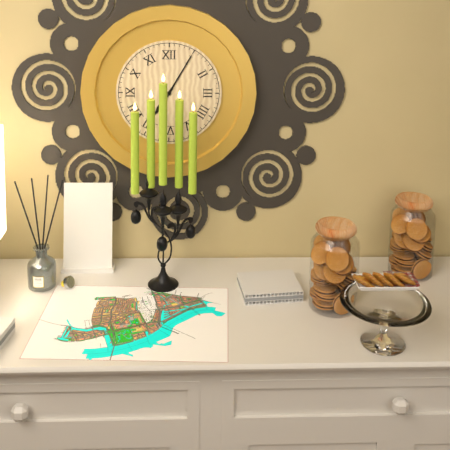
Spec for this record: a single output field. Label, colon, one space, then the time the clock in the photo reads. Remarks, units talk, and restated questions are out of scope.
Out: 7:05
